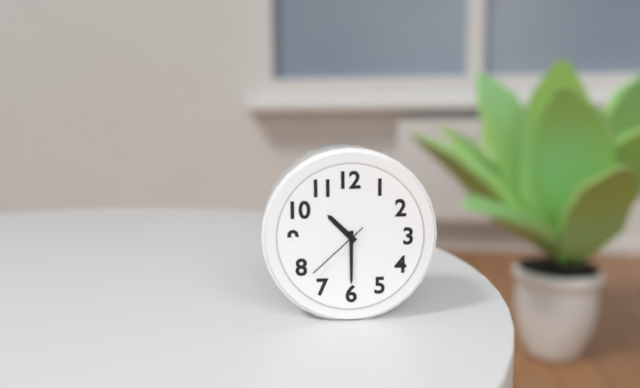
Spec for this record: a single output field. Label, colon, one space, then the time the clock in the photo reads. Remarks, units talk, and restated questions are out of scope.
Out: 10:30:38
